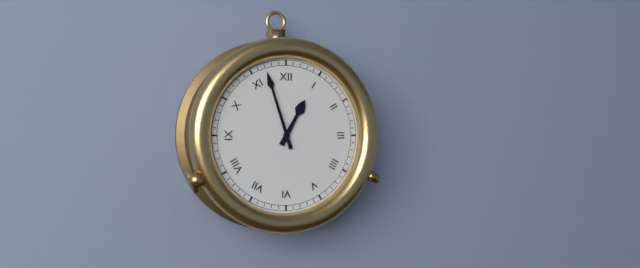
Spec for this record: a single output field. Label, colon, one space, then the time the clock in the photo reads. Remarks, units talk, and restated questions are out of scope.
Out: 12:57
